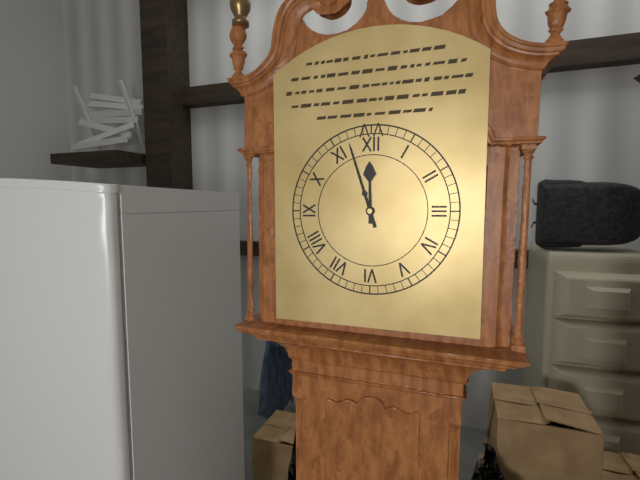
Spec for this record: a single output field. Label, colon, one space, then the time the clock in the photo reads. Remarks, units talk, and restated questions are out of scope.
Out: 11:57
